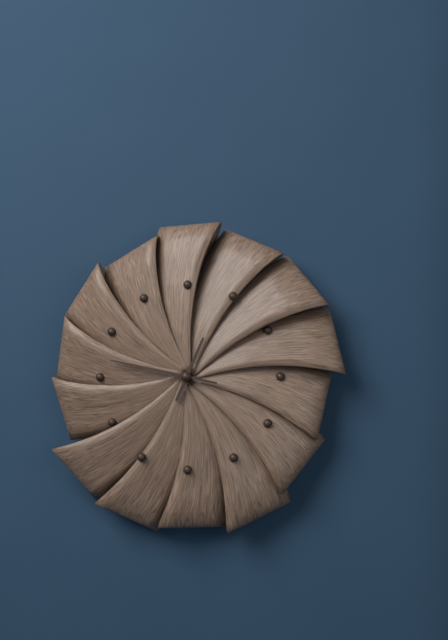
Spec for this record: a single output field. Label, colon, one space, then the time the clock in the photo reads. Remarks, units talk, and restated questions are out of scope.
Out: 12:47
